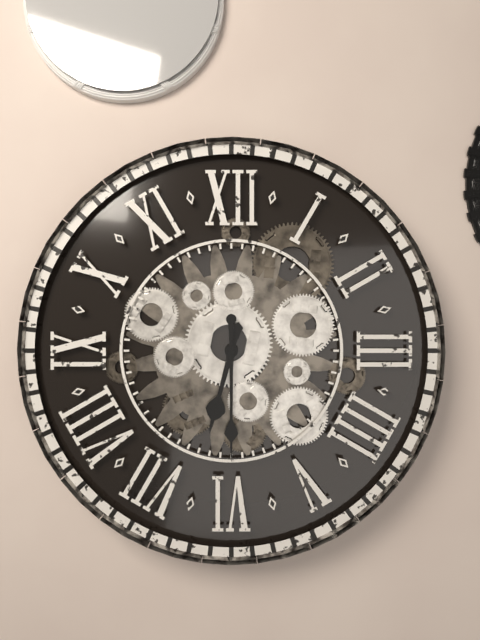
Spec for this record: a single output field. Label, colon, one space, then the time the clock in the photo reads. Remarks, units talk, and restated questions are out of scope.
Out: 6:30
